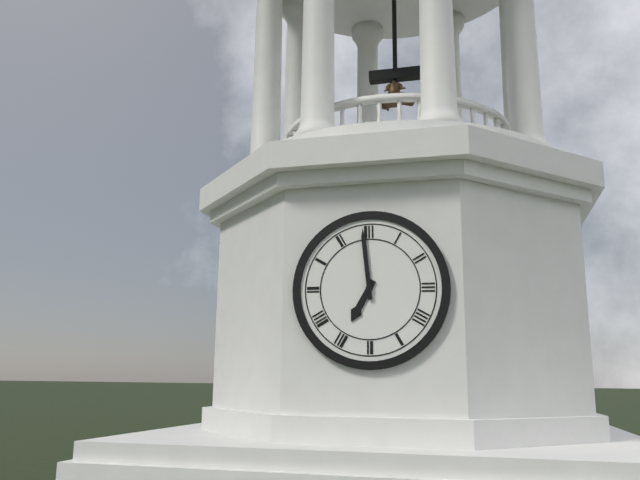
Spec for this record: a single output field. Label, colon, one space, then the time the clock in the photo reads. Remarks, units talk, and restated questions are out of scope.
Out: 6:59
